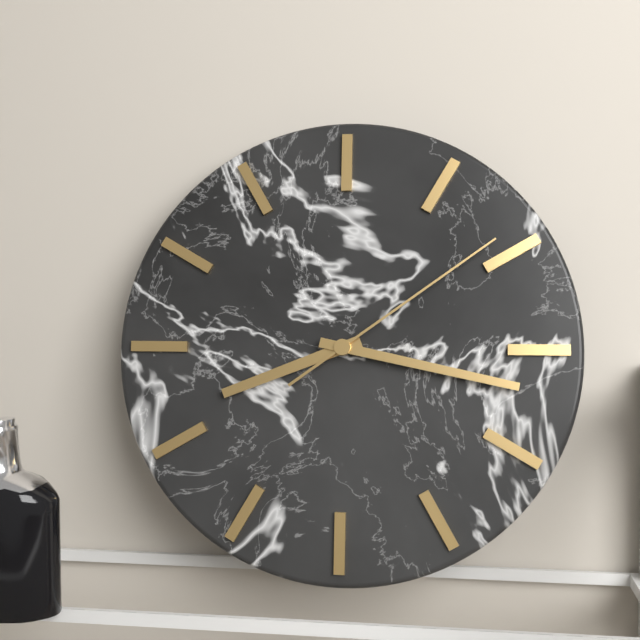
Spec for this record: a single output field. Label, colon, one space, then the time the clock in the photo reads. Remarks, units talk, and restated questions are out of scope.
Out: 8:17:09
